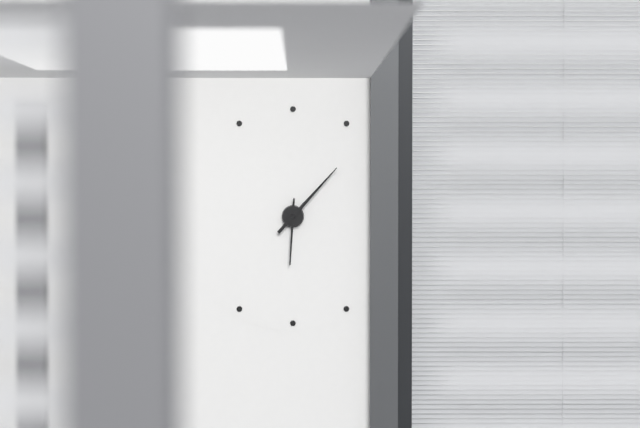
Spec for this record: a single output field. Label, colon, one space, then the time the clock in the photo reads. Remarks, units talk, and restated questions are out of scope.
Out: 6:07
